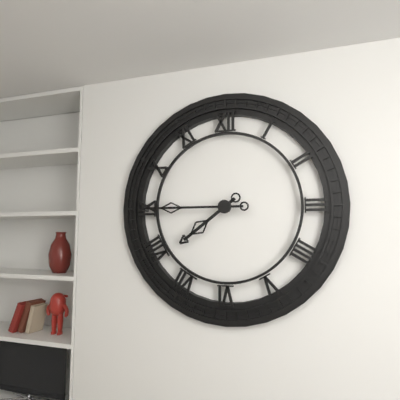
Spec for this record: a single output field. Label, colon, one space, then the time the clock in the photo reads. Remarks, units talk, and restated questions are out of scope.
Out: 7:45
